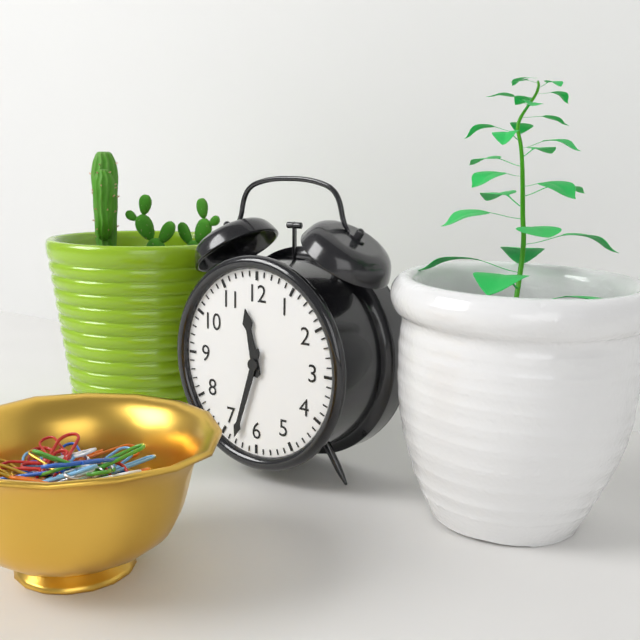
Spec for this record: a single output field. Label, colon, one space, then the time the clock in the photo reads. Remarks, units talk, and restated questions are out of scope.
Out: 11:33
